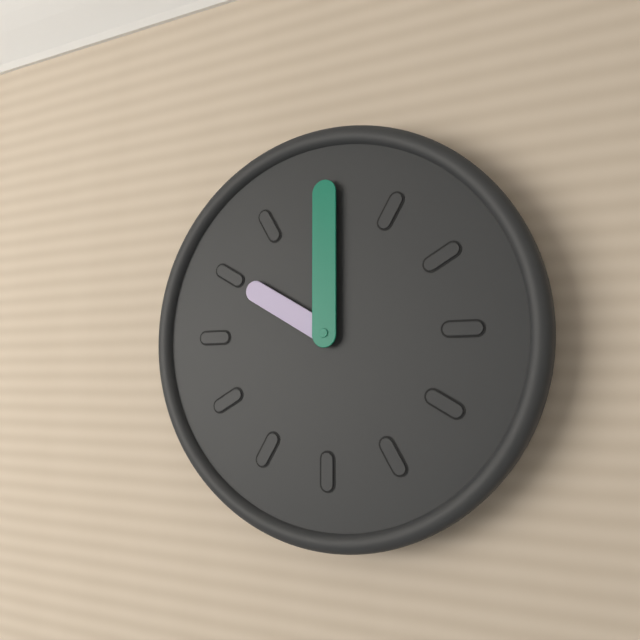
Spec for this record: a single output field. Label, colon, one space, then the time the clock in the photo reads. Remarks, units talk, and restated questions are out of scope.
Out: 10:00
